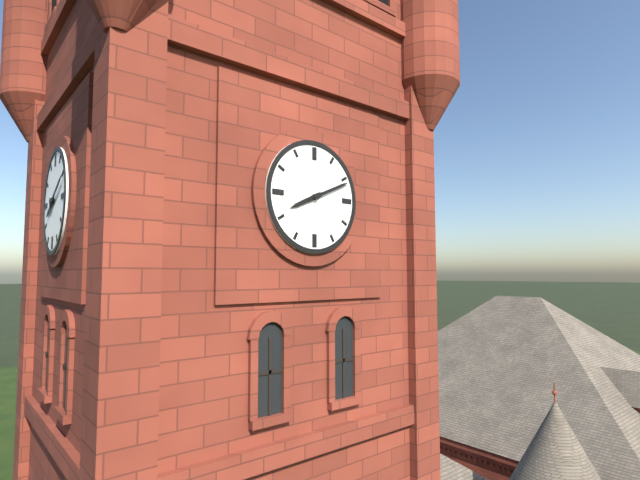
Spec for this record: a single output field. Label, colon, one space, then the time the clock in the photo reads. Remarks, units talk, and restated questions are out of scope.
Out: 8:11
